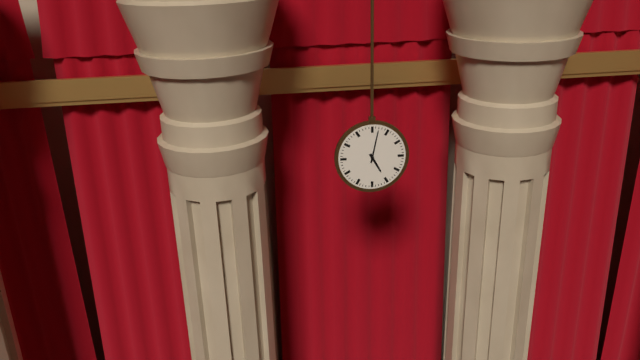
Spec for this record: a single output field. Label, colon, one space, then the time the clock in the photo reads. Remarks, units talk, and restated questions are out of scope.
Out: 5:02
